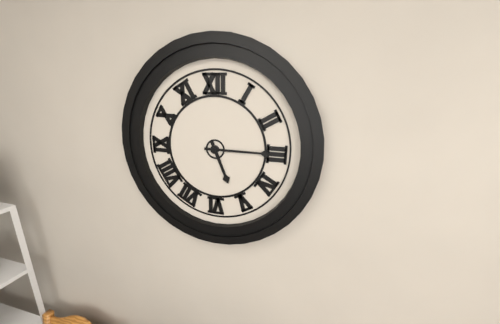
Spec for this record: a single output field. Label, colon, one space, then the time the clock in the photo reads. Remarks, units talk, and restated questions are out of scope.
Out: 5:15
